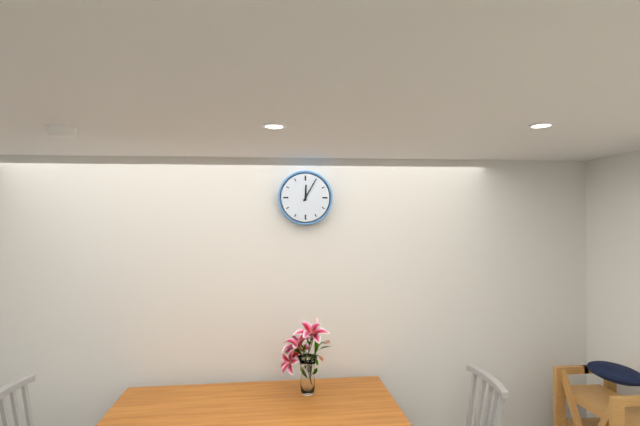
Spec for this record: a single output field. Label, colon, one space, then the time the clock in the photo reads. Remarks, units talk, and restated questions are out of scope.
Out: 12:05
